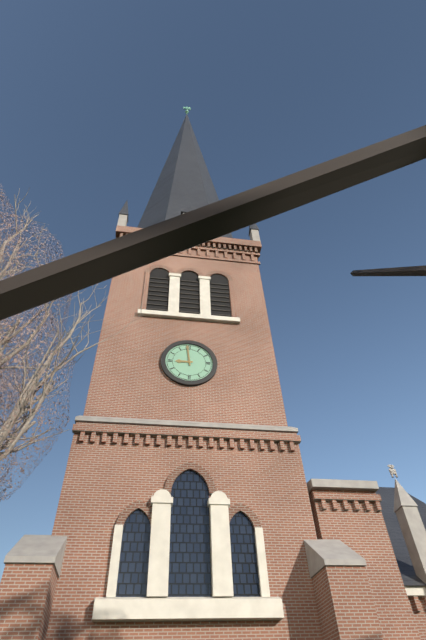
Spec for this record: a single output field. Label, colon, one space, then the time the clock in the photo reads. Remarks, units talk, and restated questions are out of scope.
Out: 8:59
